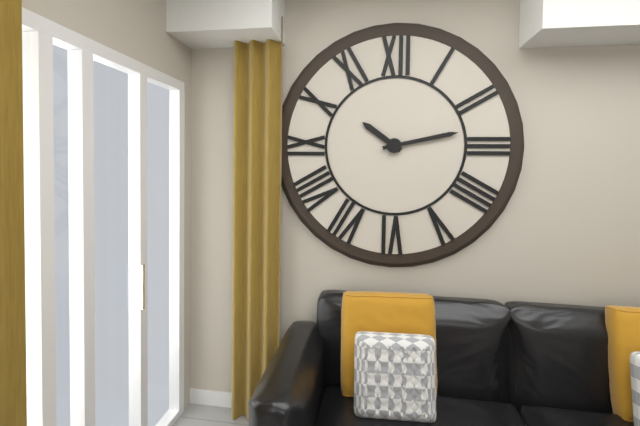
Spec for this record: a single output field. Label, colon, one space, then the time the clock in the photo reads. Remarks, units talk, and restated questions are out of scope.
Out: 10:13
